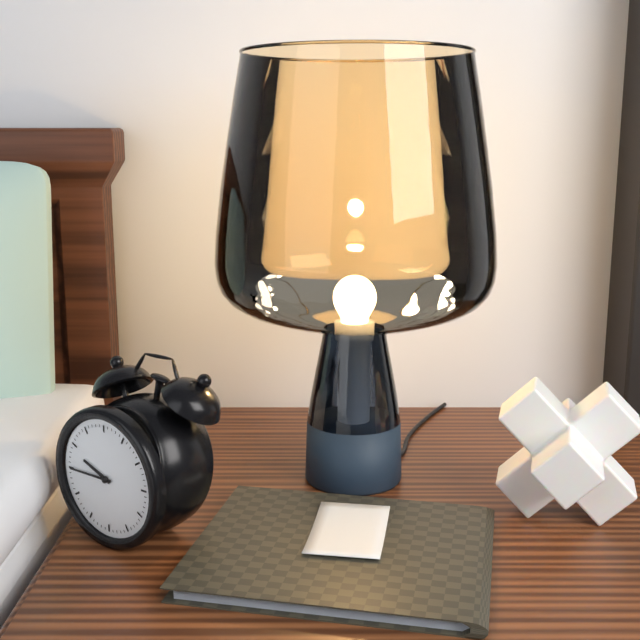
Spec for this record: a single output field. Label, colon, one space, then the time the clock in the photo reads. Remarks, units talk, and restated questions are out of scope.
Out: 9:45
